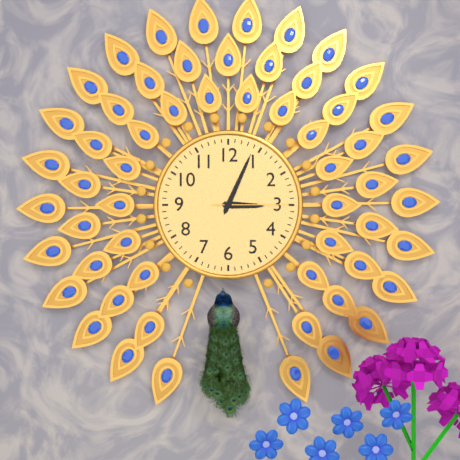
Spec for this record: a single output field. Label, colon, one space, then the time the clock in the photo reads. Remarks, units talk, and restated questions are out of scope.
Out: 3:04:15
